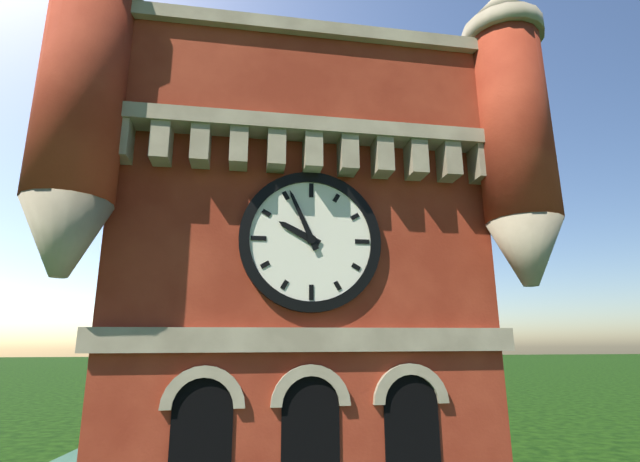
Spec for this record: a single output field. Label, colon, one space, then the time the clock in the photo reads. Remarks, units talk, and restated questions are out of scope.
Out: 9:56
